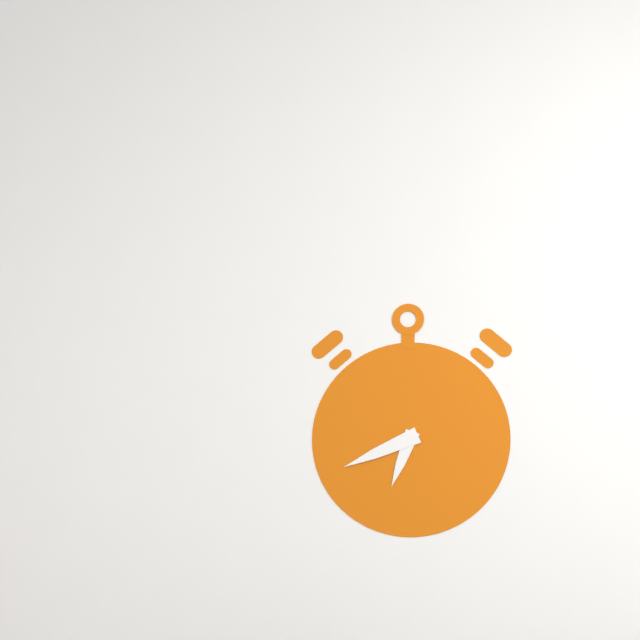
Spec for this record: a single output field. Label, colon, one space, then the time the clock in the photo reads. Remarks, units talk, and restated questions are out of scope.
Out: 6:41
